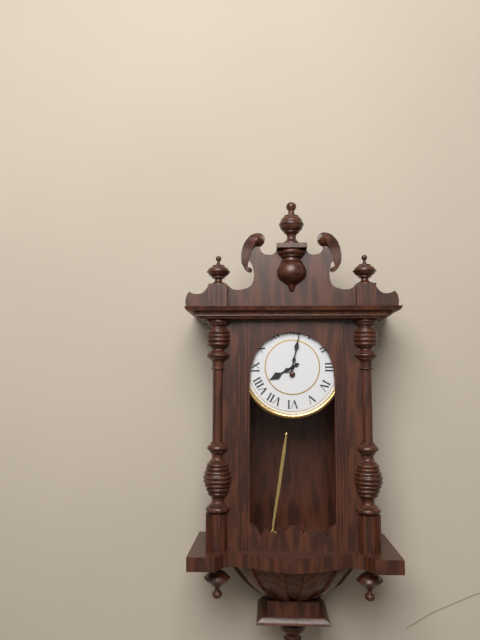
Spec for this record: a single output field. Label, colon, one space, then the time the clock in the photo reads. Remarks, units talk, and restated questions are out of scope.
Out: 8:02
